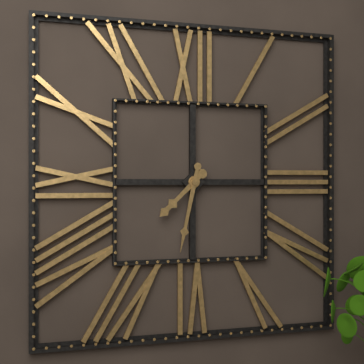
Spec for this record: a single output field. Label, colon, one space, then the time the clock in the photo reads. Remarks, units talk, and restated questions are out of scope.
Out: 7:32
